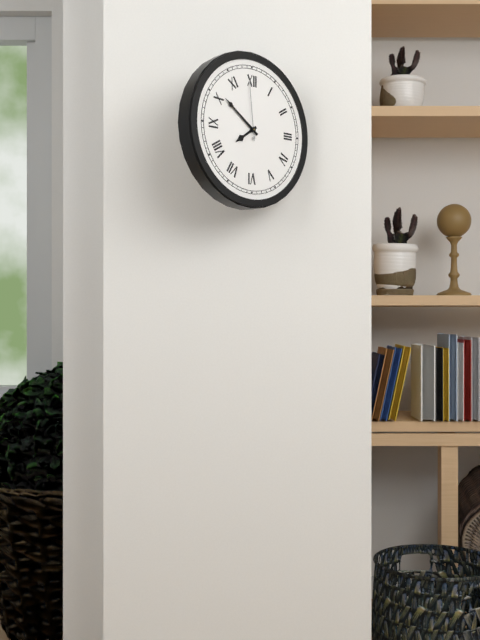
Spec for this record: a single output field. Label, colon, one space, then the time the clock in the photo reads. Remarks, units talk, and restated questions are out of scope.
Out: 7:51:59
